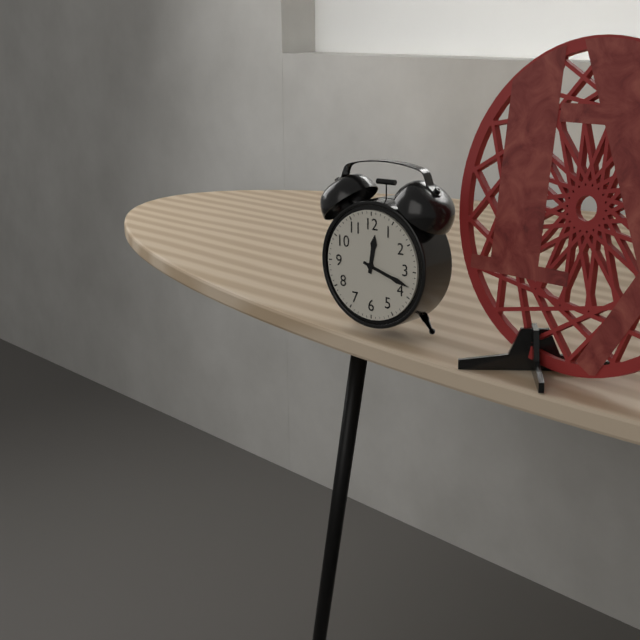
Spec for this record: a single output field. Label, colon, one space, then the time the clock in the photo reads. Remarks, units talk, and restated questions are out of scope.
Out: 12:18
